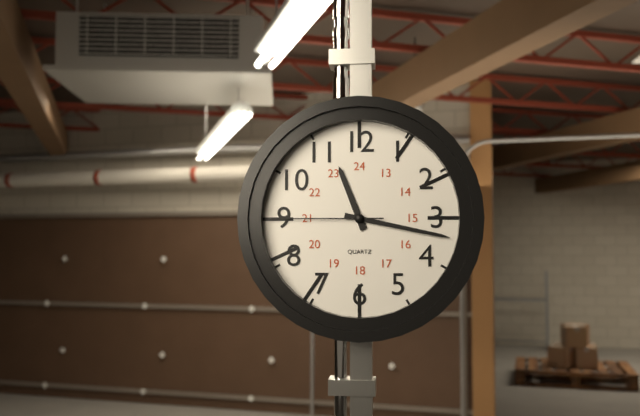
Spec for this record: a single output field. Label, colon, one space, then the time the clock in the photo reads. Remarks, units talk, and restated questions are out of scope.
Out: 11:17:45
